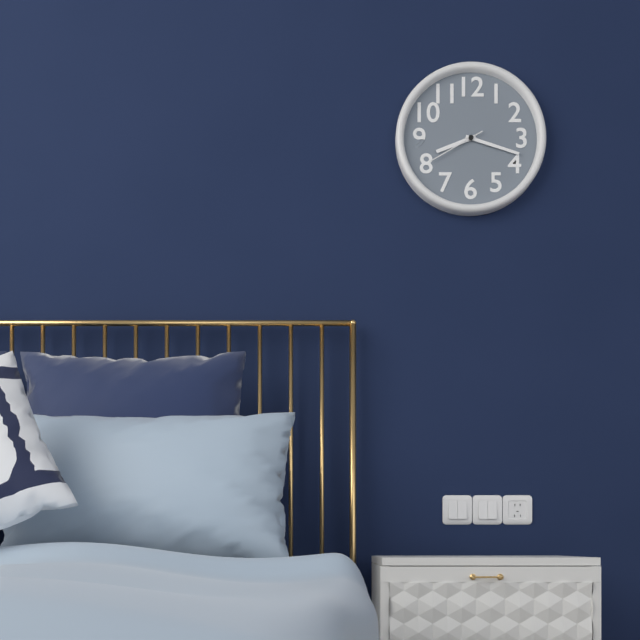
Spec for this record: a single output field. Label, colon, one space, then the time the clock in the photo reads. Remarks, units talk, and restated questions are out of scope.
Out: 8:18:40
